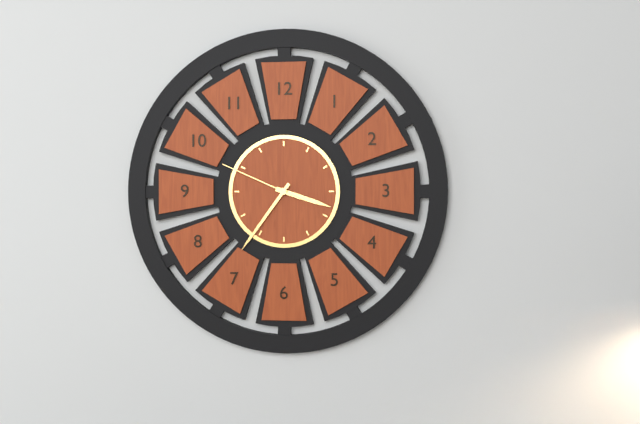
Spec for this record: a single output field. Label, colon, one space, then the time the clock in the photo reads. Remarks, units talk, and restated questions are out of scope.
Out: 3:36:49
